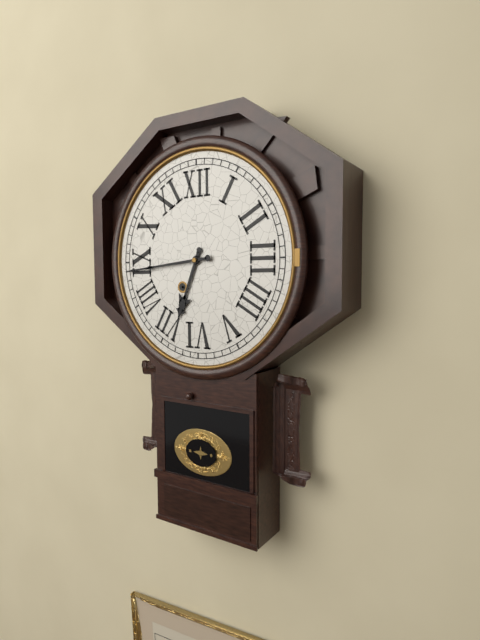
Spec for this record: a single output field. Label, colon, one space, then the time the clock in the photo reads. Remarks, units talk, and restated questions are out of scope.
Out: 6:44
